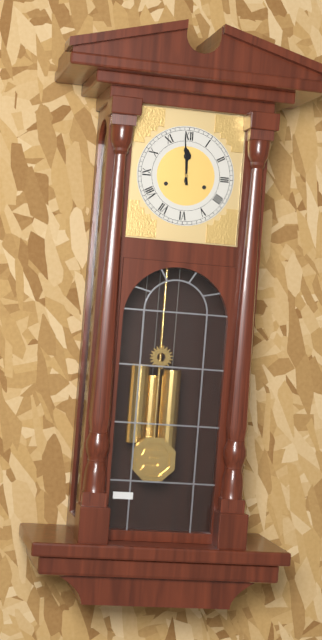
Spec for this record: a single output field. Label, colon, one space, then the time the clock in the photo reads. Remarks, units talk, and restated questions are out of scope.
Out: 11:59
